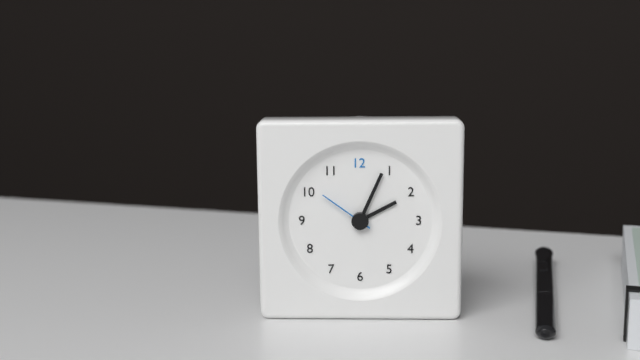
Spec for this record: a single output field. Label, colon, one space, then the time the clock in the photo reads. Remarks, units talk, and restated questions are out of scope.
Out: 2:04:51
